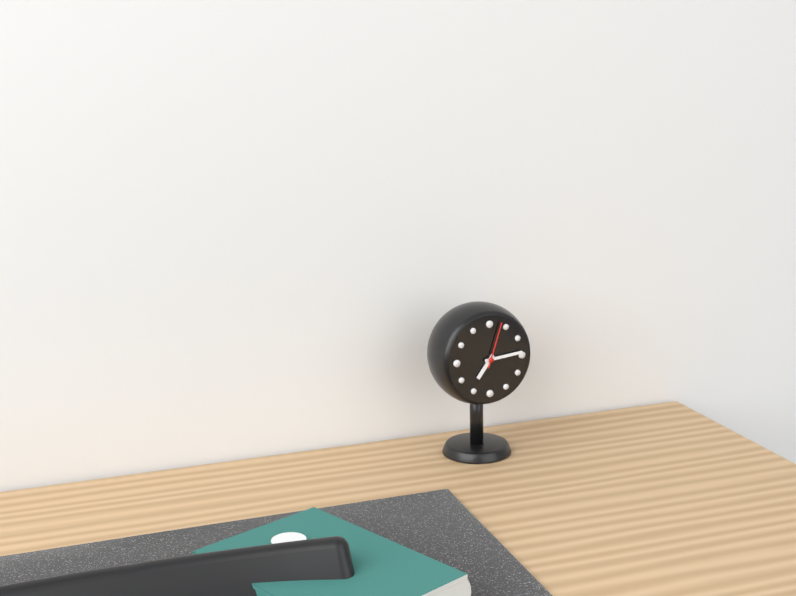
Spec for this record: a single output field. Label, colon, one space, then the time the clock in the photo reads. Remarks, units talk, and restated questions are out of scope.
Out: 7:14
